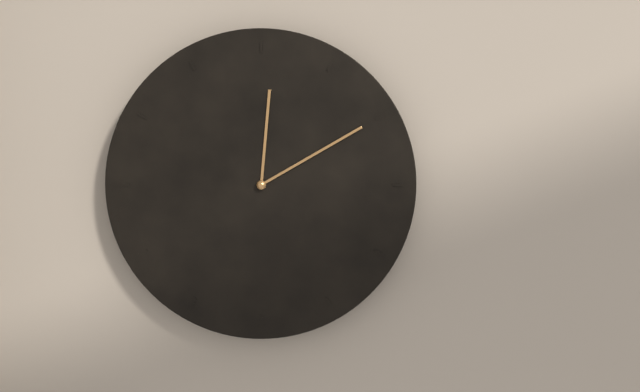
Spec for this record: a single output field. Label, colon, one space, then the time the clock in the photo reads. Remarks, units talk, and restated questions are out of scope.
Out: 12:10
